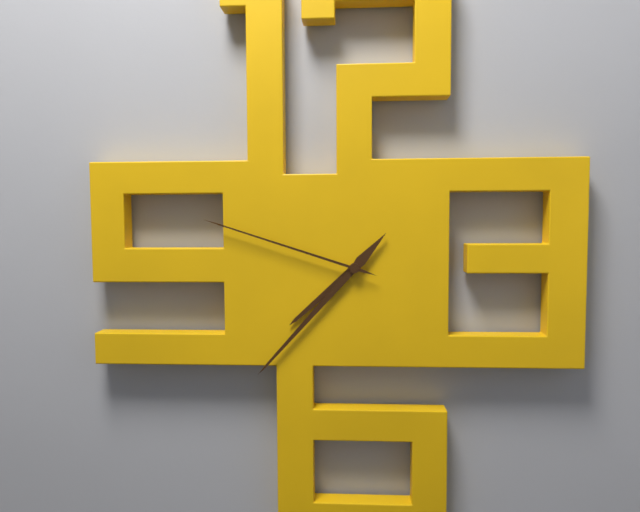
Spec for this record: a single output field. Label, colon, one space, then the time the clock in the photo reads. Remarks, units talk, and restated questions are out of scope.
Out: 7:37:48
